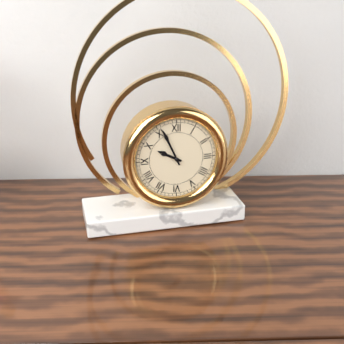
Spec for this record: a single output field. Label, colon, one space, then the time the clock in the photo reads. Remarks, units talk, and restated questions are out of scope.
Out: 9:56
